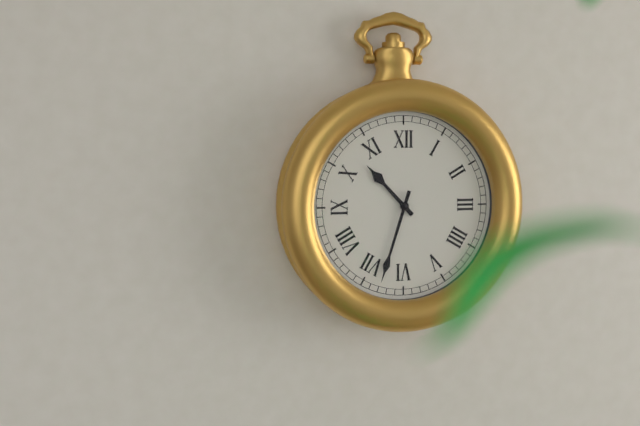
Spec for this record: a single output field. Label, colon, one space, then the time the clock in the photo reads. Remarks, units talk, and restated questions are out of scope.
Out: 10:33
